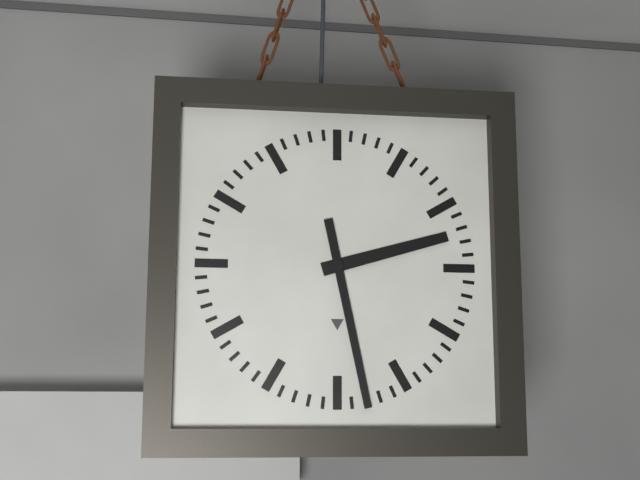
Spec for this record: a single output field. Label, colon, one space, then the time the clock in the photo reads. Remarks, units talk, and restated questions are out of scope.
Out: 2:28
